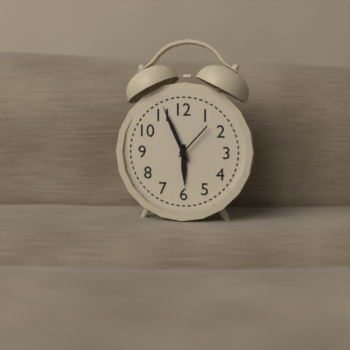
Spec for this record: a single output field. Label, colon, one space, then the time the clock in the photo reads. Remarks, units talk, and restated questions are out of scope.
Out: 5:56
